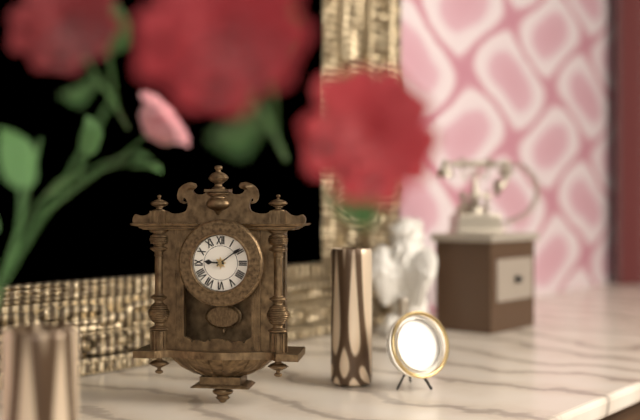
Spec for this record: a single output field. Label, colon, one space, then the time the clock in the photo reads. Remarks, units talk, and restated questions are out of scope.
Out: 9:09
